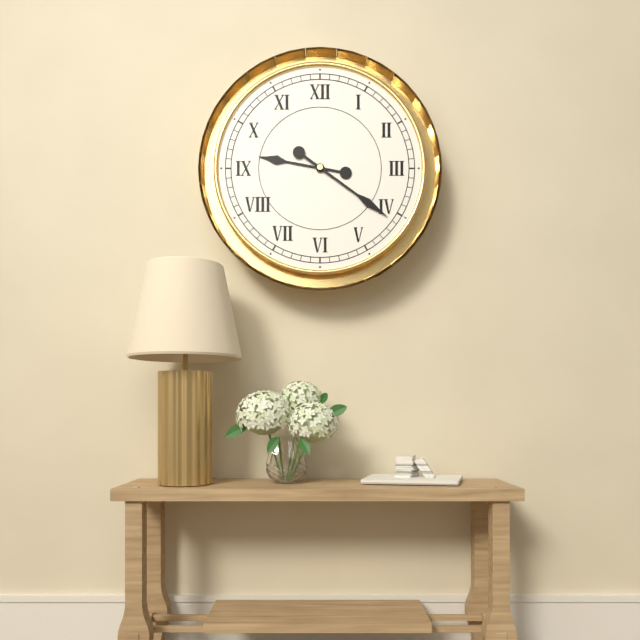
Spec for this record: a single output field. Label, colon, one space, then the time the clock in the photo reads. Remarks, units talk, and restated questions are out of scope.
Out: 9:21
